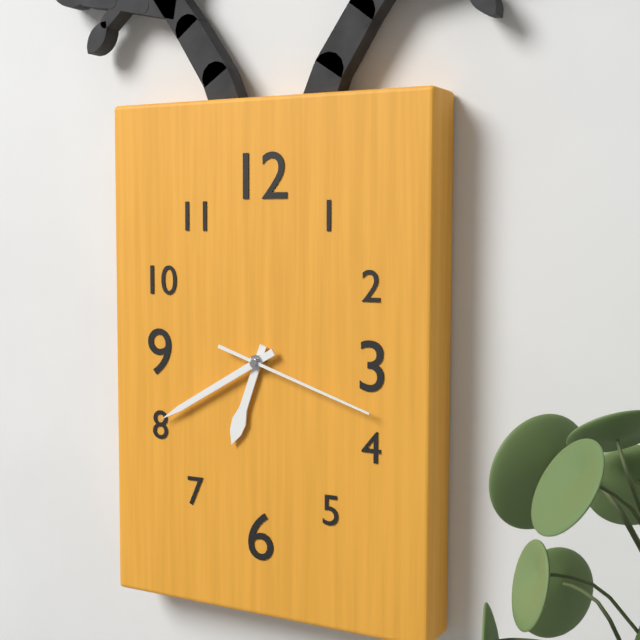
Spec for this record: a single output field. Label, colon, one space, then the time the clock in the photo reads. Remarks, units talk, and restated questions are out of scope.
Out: 6:40:18
